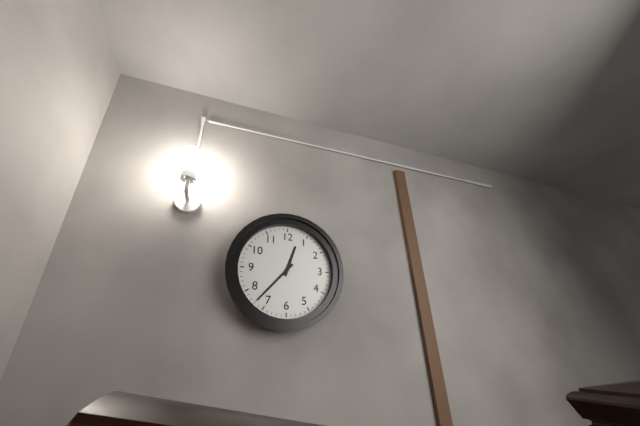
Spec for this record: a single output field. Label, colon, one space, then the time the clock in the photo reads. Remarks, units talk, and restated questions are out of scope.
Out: 12:37
